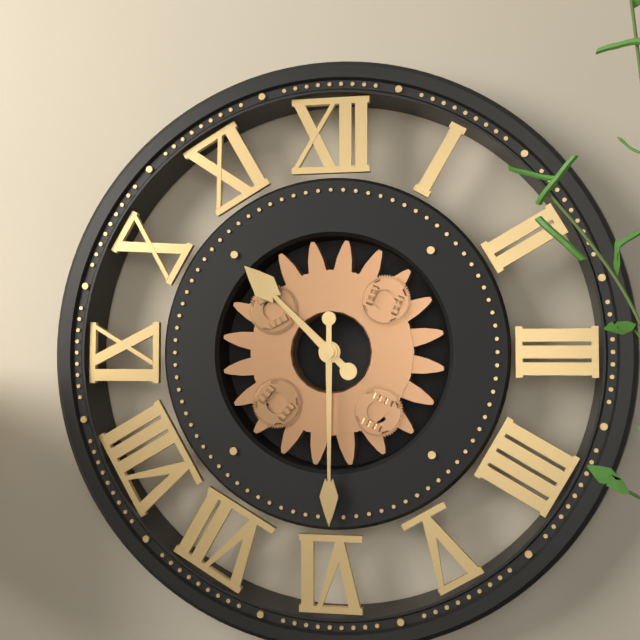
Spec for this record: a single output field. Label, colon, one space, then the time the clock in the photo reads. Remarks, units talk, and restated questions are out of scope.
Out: 10:30
